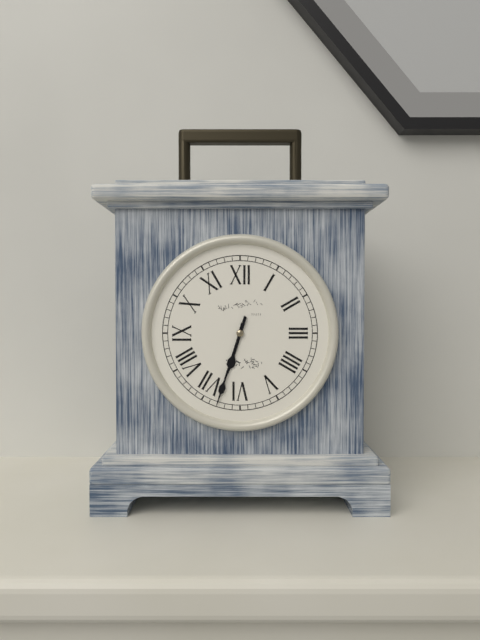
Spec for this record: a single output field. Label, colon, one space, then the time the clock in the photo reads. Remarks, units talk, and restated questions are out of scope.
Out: 6:33
